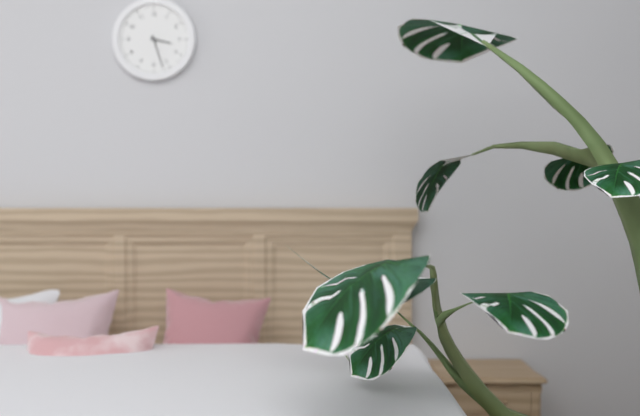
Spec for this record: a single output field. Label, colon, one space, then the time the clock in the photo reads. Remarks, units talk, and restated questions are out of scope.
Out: 3:27
